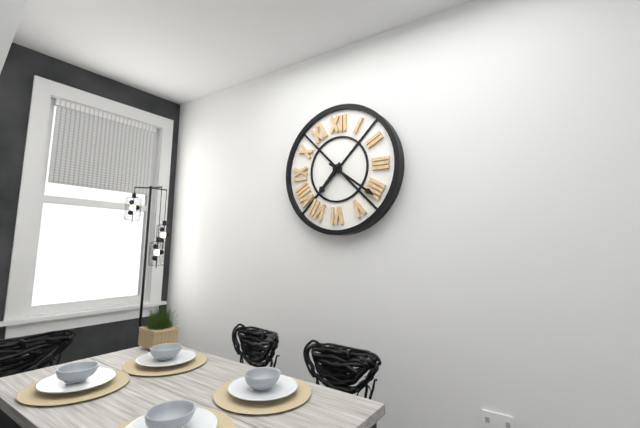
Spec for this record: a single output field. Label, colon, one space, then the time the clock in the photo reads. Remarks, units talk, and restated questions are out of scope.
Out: 7:21
